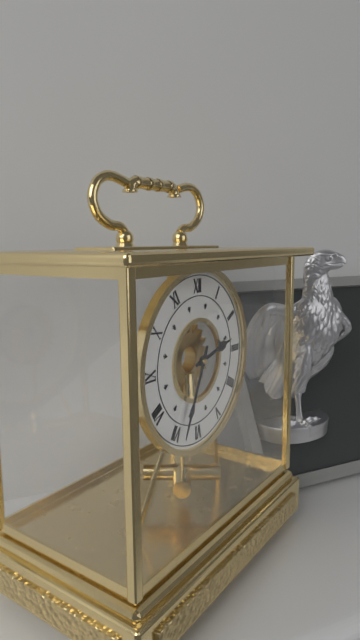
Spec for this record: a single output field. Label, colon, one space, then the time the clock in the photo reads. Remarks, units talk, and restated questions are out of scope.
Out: 2:34
